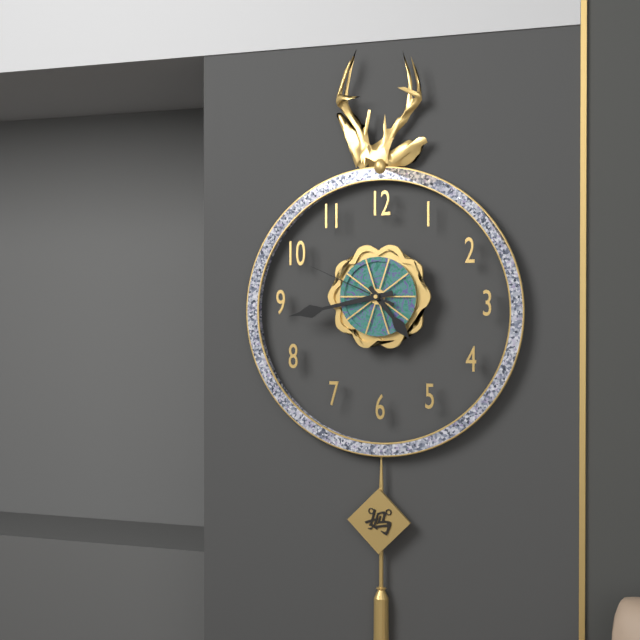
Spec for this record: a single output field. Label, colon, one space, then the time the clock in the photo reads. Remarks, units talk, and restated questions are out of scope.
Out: 4:43:49
